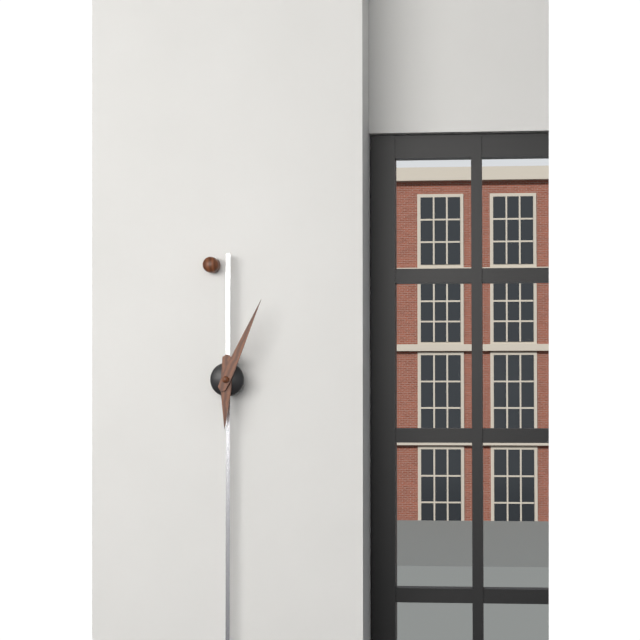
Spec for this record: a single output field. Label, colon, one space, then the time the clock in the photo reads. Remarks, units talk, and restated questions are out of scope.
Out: 6:04
